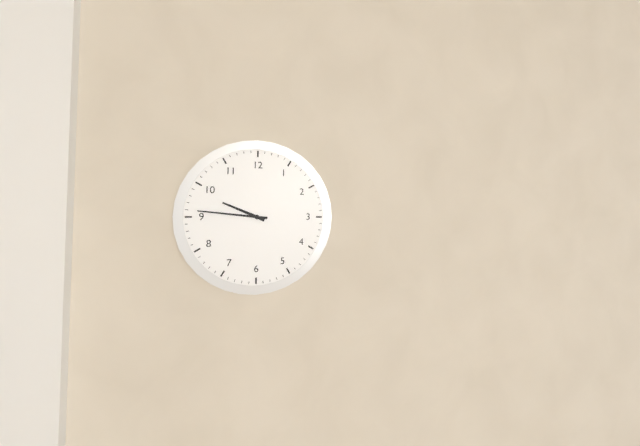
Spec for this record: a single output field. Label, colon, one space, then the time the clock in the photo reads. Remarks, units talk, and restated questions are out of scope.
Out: 9:46
